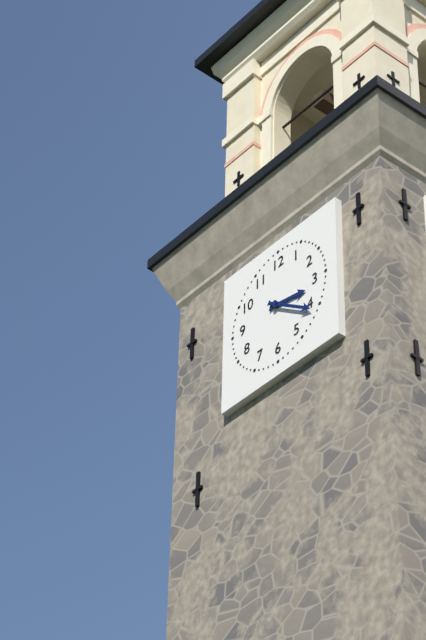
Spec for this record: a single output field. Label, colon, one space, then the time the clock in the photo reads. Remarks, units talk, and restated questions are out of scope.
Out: 3:21
